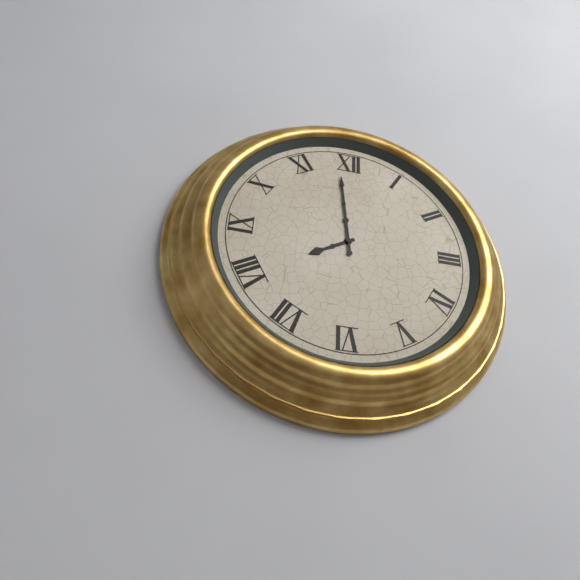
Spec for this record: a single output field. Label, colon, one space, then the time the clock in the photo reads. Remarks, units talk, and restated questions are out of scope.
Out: 7:59
